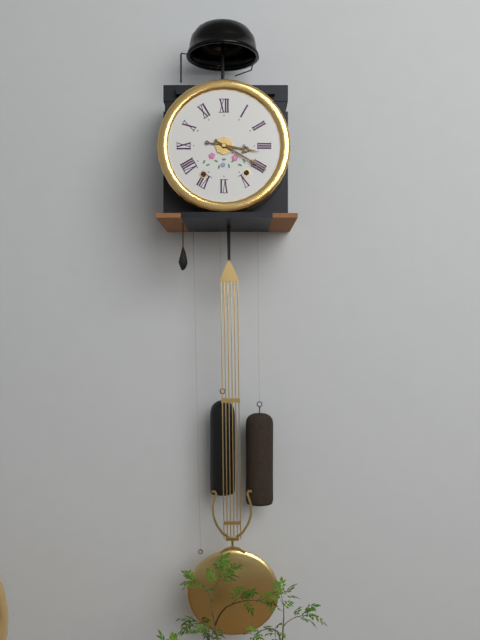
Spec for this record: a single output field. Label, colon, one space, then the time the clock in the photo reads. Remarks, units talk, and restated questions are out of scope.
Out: 3:20
